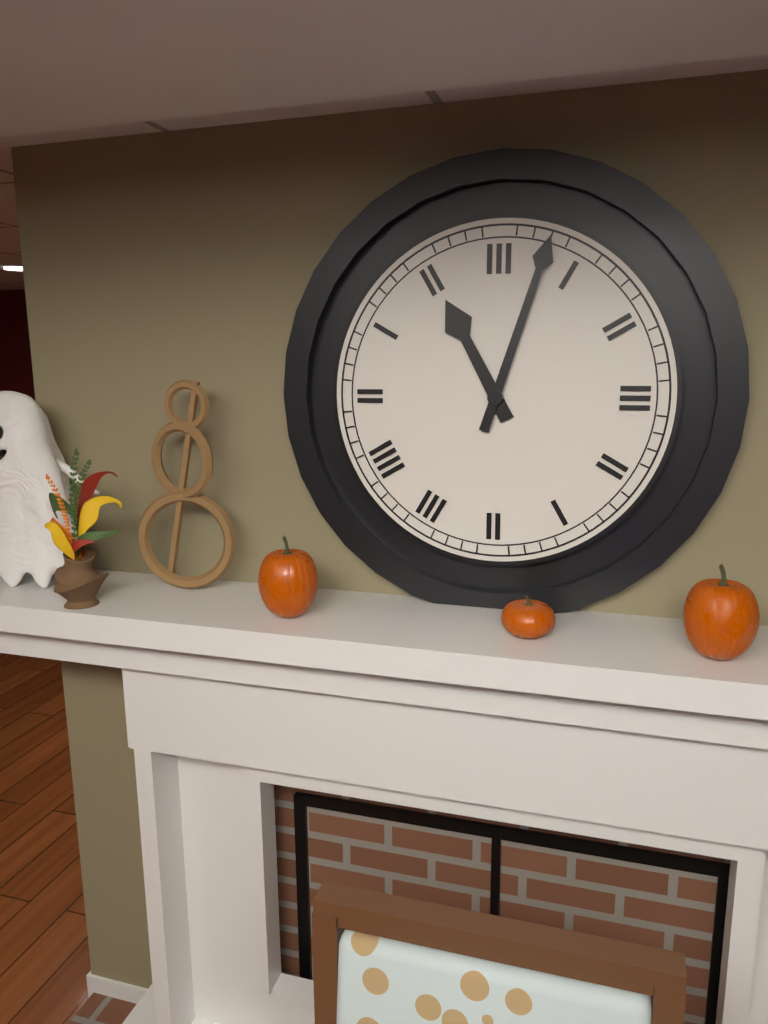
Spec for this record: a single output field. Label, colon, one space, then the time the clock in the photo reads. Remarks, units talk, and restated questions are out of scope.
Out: 11:03
